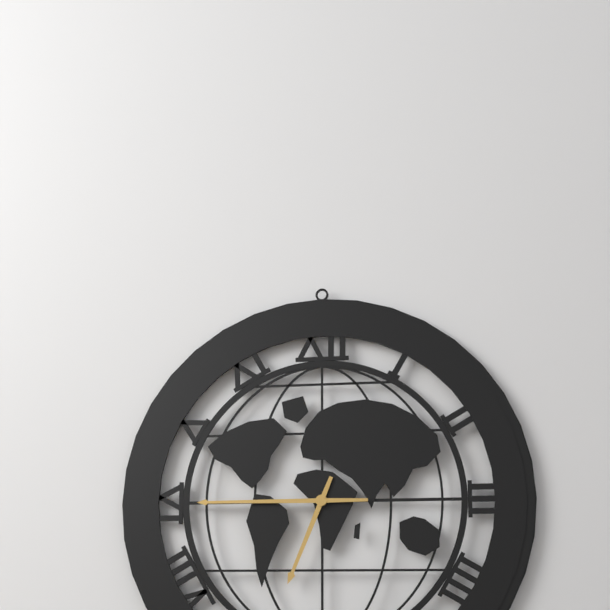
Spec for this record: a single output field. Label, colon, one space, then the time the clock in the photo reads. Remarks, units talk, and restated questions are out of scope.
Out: 6:45
